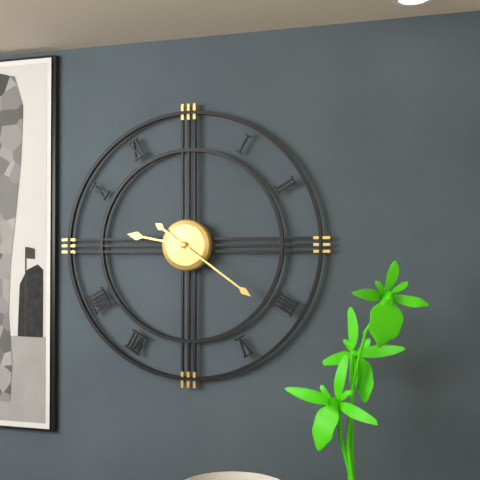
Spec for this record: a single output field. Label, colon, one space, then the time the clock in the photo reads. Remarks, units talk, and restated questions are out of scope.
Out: 9:21
